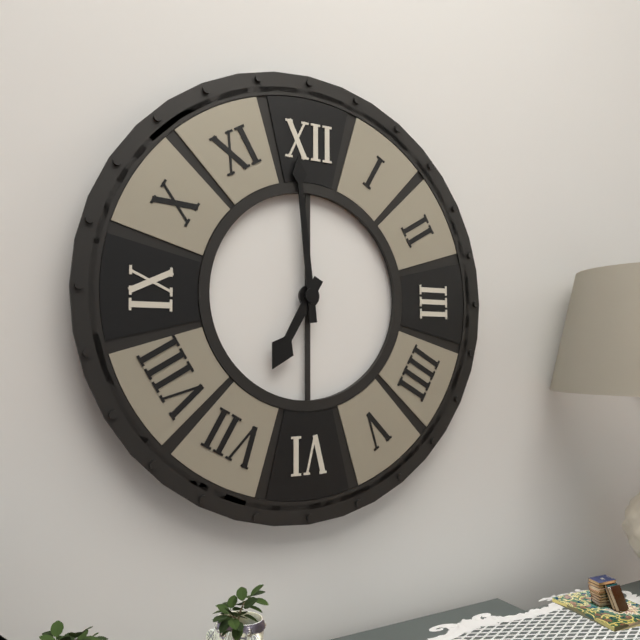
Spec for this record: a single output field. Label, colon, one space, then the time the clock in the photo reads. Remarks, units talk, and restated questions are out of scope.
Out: 6:59
